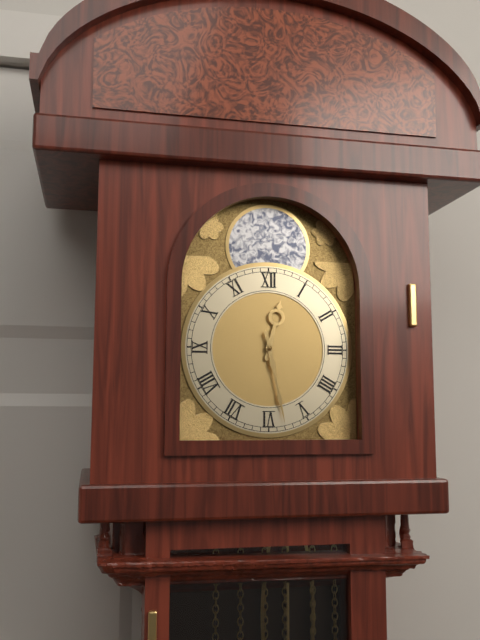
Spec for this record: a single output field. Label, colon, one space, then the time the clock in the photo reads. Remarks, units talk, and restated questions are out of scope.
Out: 12:28
